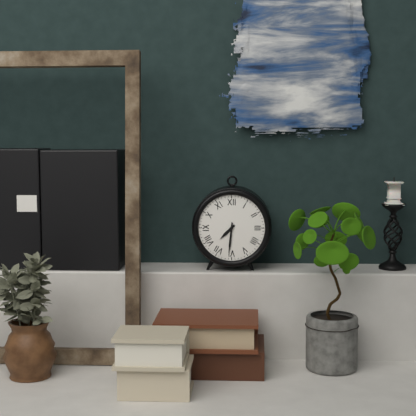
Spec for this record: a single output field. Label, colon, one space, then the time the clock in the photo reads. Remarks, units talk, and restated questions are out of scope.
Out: 7:31
